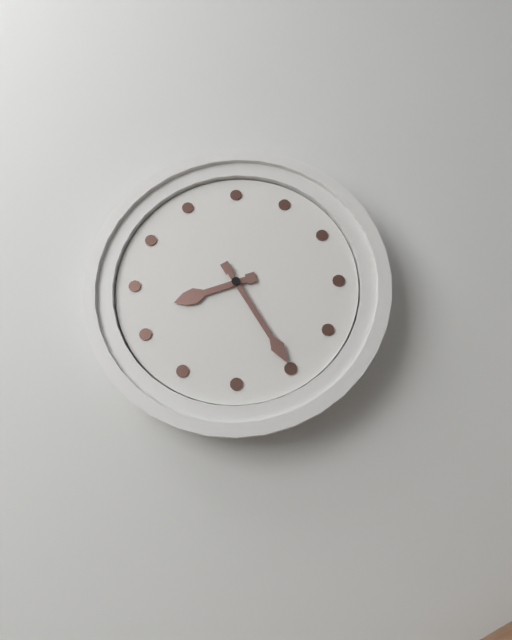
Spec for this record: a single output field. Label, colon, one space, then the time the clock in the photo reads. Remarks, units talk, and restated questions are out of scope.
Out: 8:25
